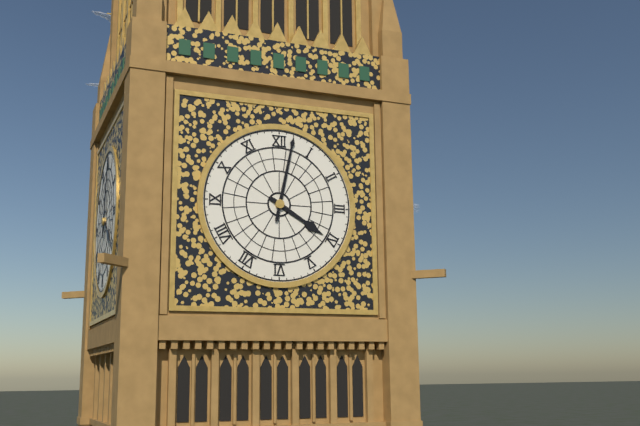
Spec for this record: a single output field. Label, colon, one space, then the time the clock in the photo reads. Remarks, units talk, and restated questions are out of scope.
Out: 4:02
